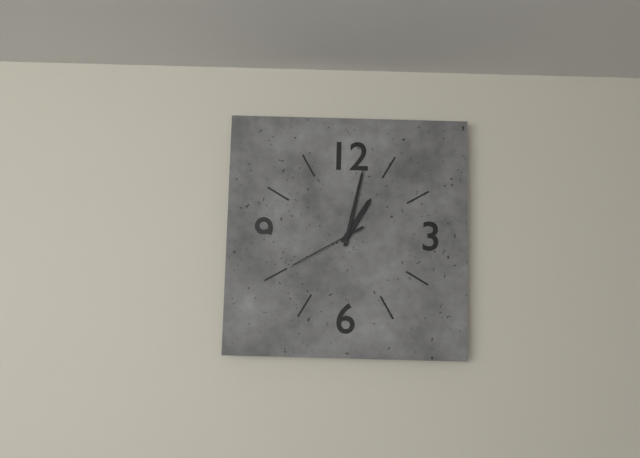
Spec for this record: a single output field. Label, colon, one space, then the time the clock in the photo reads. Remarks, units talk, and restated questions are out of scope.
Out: 1:02:40
